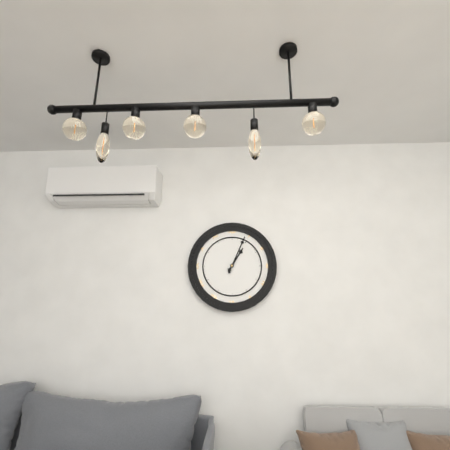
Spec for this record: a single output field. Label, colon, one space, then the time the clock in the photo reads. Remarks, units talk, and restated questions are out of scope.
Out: 1:04
